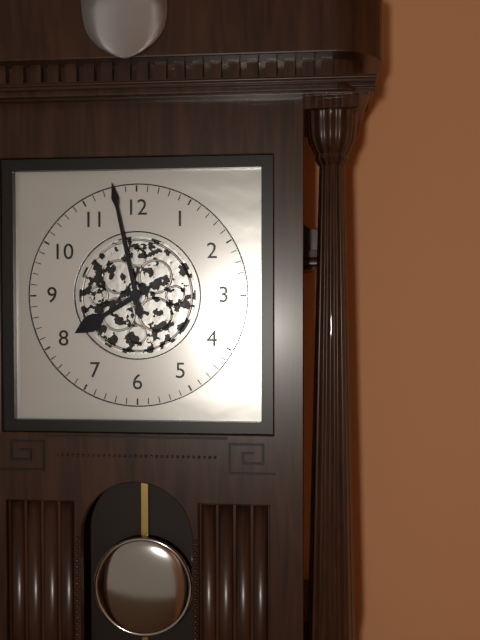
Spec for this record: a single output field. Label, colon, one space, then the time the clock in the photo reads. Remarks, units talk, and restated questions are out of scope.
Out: 7:58
